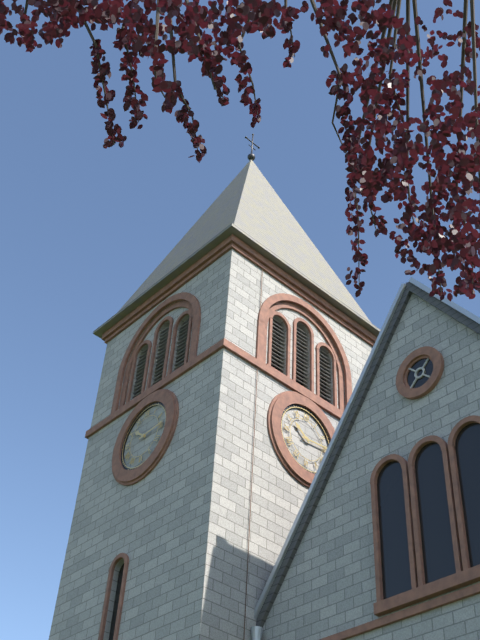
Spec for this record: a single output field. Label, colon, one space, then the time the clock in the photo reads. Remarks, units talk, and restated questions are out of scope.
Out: 10:14
